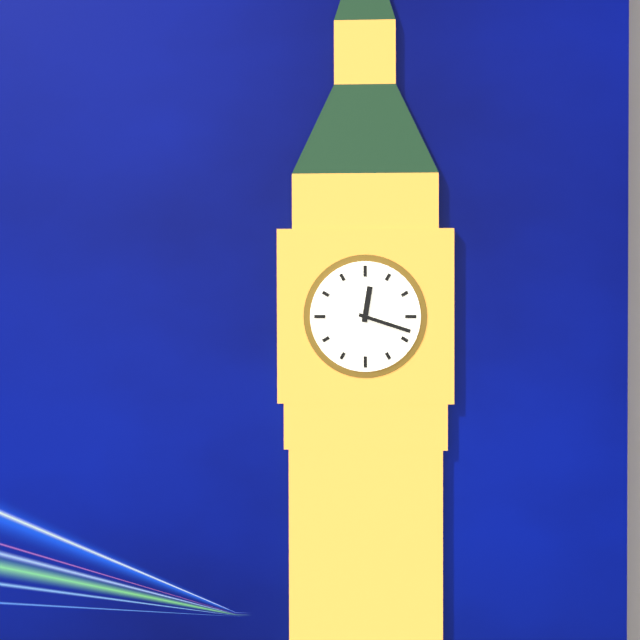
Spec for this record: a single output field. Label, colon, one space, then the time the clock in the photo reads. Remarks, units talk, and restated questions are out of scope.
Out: 12:18
